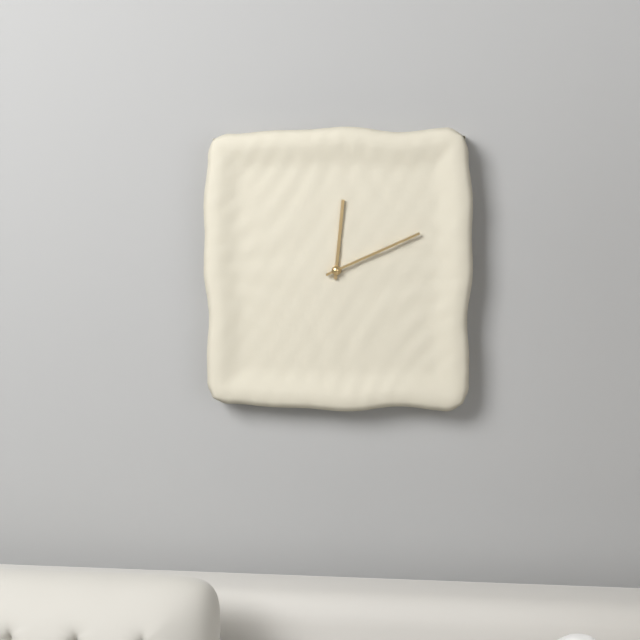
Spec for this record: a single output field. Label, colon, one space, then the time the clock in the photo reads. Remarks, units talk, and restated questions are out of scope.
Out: 12:11
